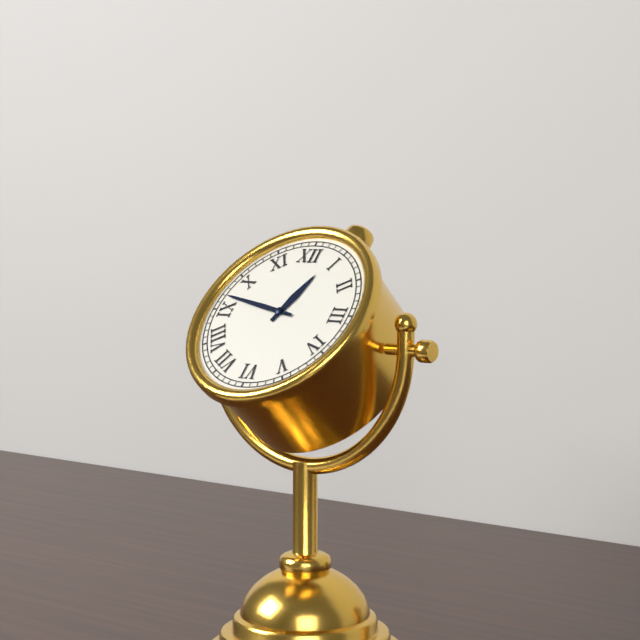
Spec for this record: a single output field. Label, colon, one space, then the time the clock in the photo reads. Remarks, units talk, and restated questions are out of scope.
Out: 12:47
